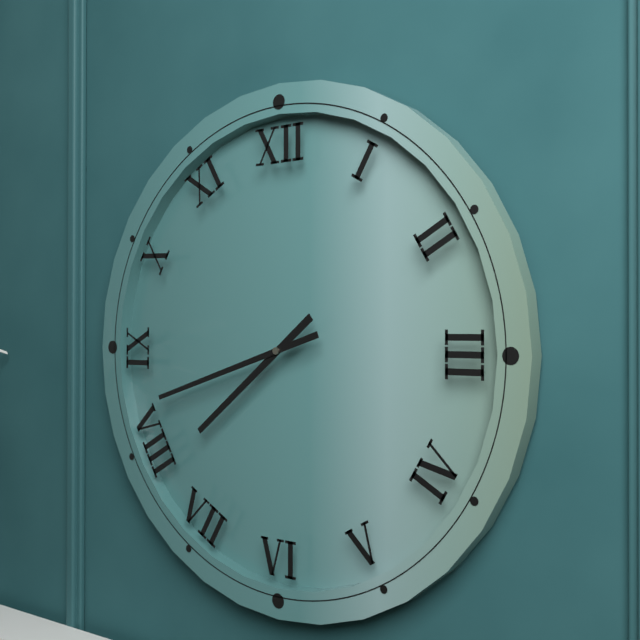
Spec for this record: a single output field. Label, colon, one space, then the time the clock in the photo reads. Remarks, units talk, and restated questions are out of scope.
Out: 7:42
